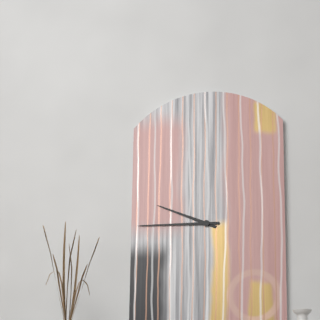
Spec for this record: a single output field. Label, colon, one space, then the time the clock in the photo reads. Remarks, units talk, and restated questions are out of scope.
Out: 9:45
